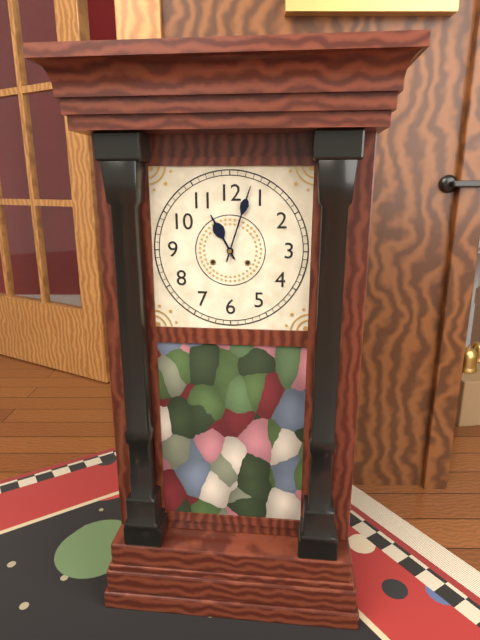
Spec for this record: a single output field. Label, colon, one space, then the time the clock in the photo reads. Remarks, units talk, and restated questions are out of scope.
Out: 11:03
